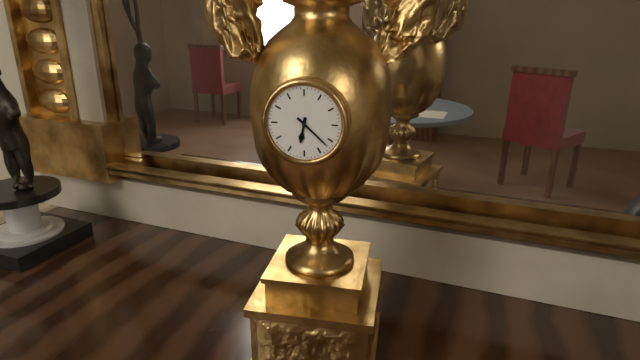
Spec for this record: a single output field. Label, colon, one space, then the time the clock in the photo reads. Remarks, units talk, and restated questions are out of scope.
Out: 6:22
